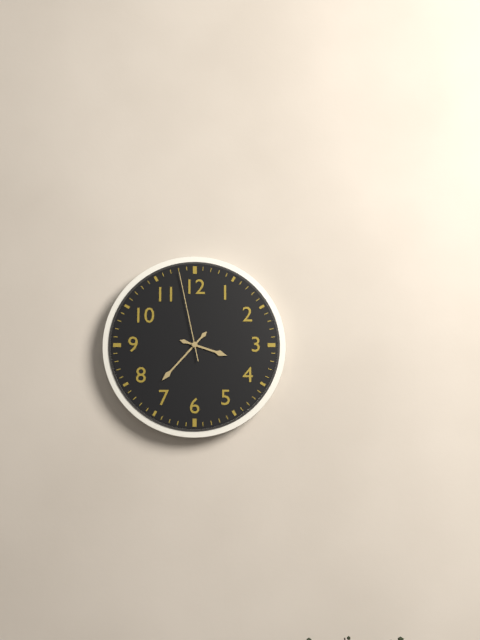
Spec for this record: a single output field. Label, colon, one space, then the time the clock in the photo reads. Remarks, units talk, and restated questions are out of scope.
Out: 3:37:58
